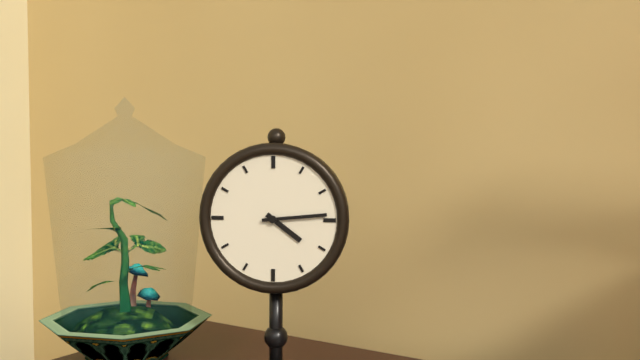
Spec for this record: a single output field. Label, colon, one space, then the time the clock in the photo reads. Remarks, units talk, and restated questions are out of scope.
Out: 4:14
